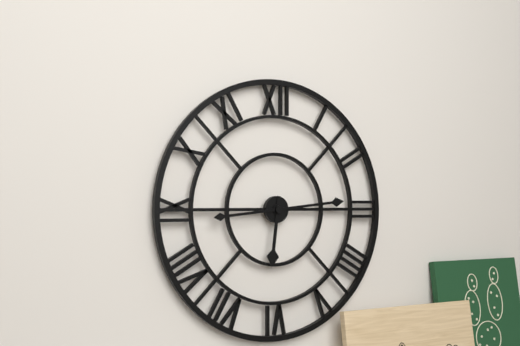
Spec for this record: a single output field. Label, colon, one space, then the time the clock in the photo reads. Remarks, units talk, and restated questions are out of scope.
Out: 6:14
